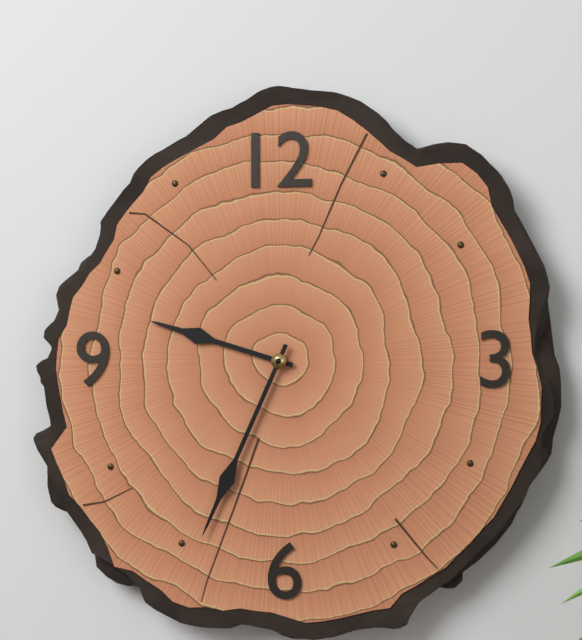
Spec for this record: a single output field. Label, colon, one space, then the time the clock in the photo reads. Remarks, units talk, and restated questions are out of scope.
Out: 9:34
